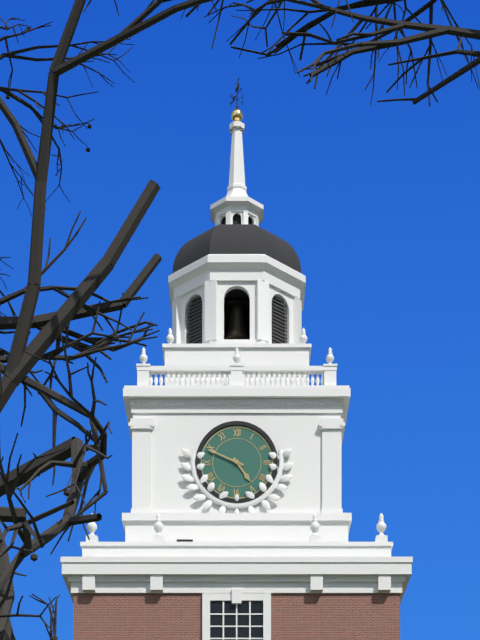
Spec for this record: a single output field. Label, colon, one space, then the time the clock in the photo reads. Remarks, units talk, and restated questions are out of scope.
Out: 4:49
